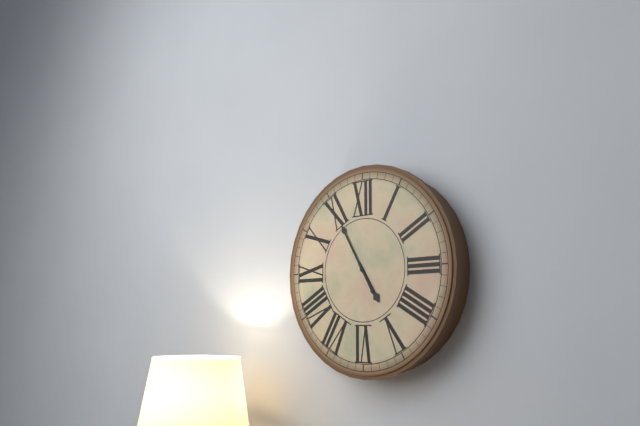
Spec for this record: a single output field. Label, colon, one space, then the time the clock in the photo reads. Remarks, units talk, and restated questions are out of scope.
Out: 4:55
